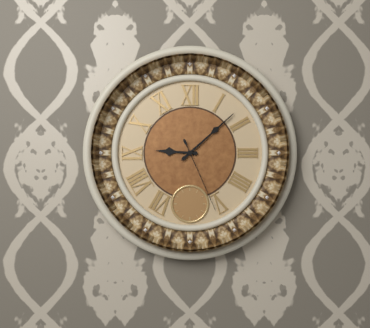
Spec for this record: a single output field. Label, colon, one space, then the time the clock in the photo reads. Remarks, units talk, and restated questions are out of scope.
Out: 9:08:26
